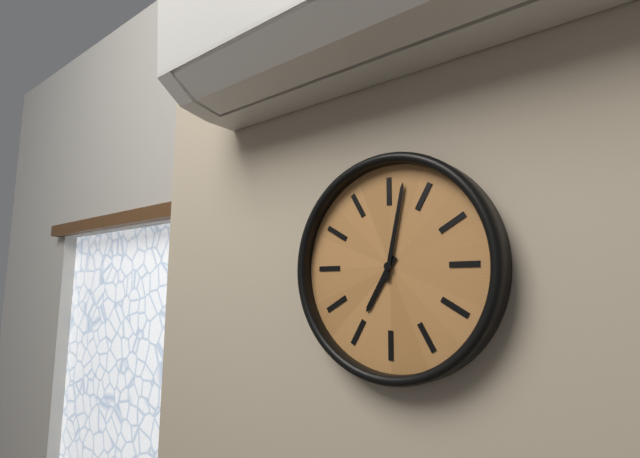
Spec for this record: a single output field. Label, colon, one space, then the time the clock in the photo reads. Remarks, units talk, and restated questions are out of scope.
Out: 7:02
